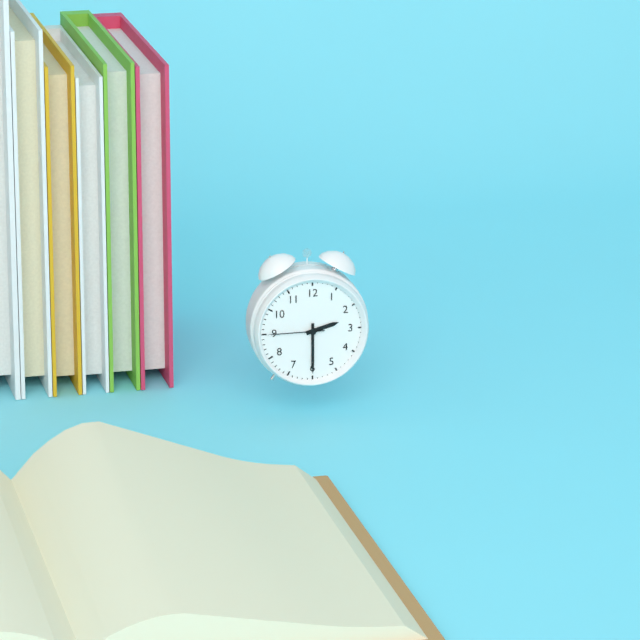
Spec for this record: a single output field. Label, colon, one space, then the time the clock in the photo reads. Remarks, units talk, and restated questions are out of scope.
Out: 2:30:45
